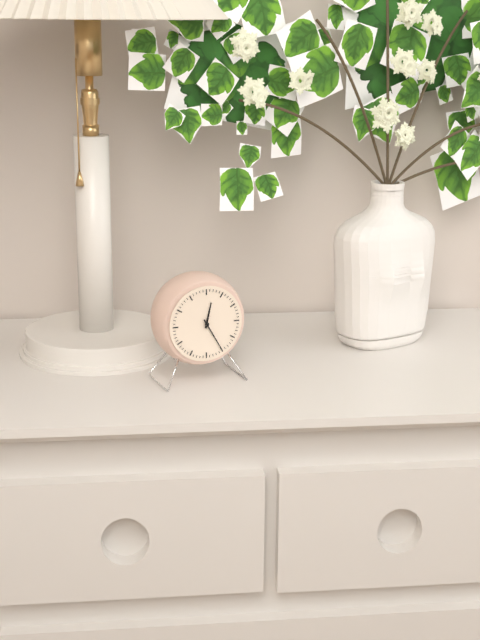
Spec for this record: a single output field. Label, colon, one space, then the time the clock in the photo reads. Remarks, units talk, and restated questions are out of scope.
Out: 12:25
